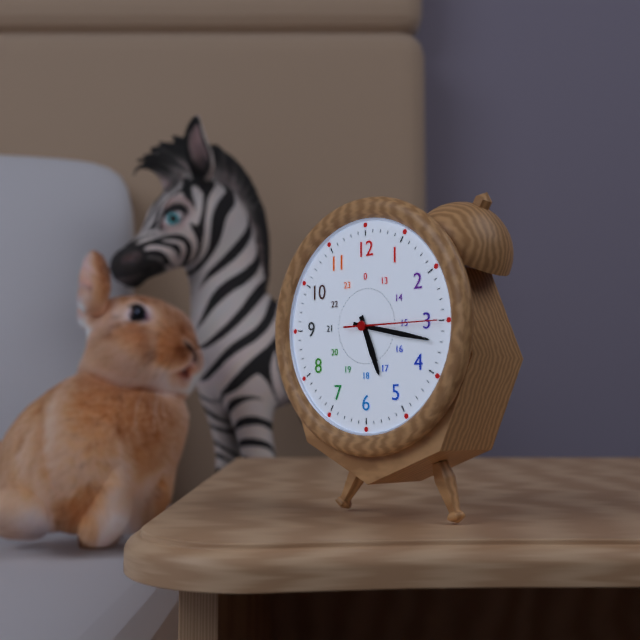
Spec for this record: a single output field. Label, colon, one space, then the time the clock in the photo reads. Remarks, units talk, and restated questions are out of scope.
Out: 5:17:15
